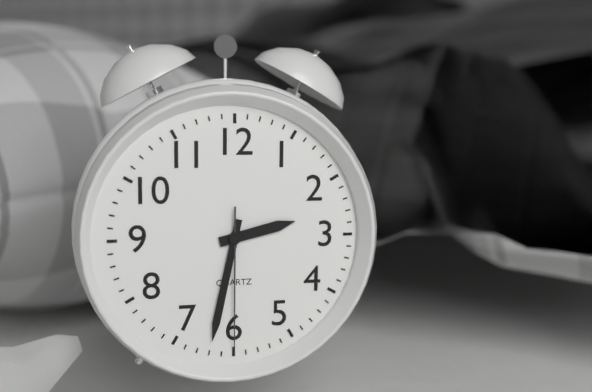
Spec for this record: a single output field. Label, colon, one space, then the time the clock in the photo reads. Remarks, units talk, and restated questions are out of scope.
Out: 2:32:30
